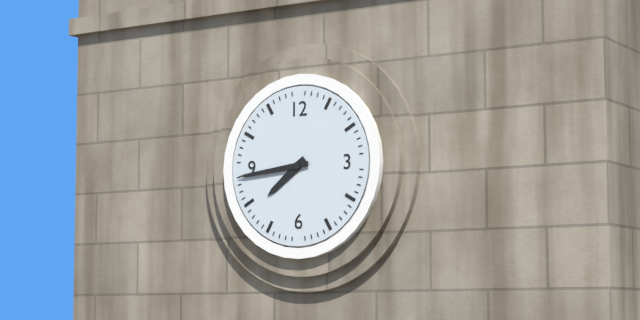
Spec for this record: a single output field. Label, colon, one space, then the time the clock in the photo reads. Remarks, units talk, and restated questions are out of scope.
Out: 7:44
